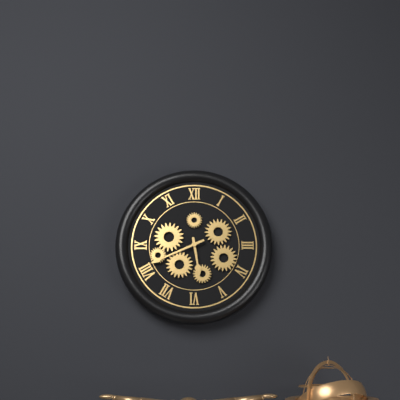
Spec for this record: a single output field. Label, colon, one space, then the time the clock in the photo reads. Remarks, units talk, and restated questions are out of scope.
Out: 5:41
